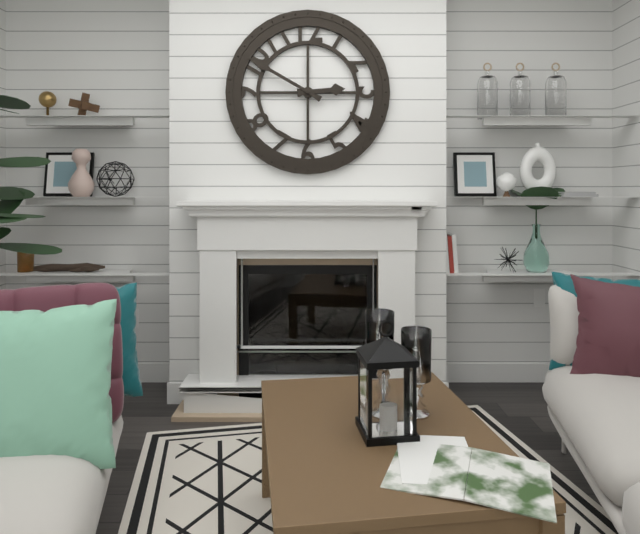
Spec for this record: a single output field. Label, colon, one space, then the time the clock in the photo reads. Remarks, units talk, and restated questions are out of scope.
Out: 2:50
